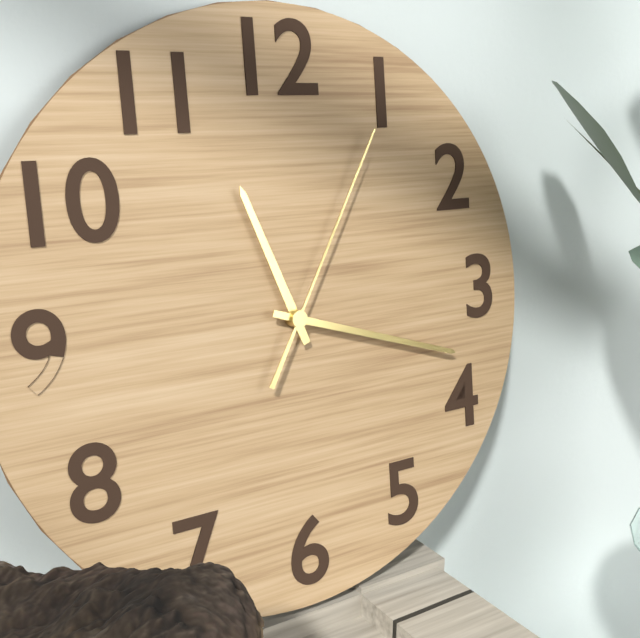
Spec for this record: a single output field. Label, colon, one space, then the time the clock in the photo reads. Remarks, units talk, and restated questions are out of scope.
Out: 11:18:05
